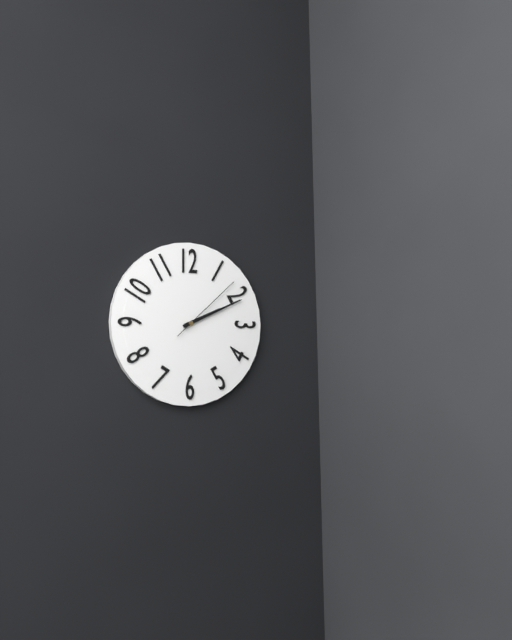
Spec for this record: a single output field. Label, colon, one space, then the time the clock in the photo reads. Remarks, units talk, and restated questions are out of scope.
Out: 2:11:08
